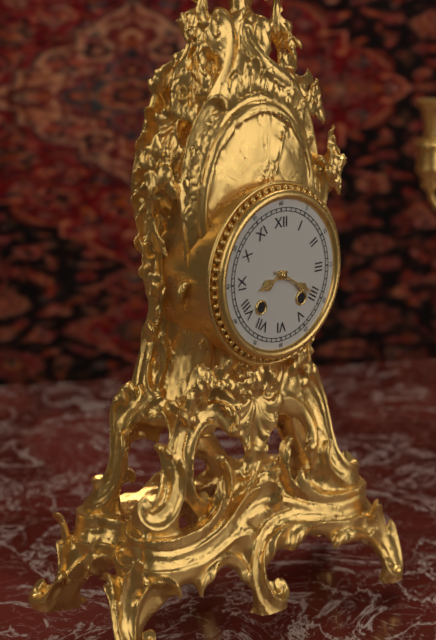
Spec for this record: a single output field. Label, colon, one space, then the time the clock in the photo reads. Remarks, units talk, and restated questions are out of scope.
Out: 8:20
